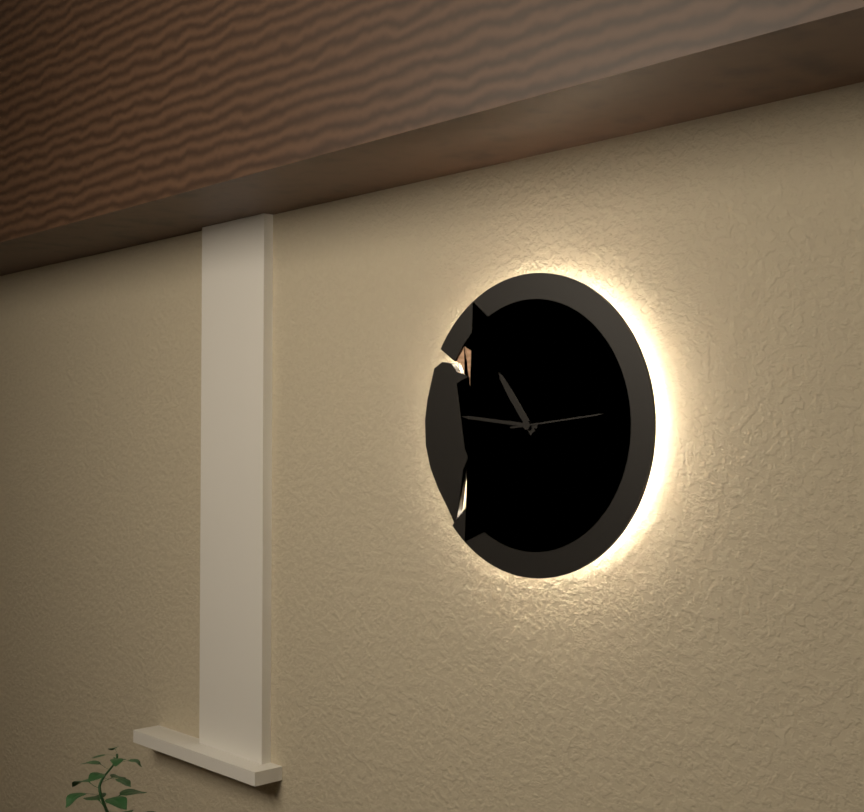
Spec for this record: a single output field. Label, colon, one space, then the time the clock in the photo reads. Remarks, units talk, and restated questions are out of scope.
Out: 10:46:14
